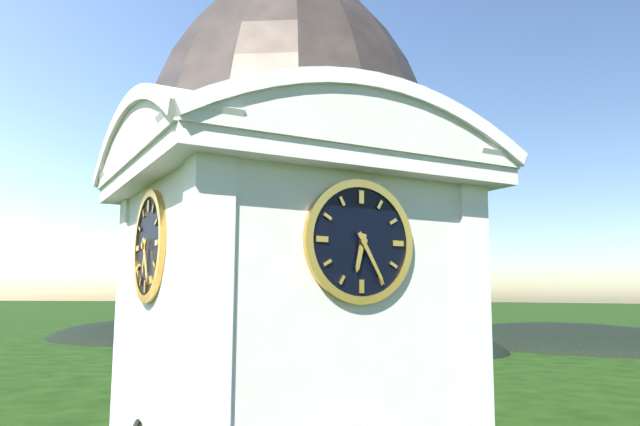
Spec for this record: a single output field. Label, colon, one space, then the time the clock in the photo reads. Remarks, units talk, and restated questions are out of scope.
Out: 6:25
